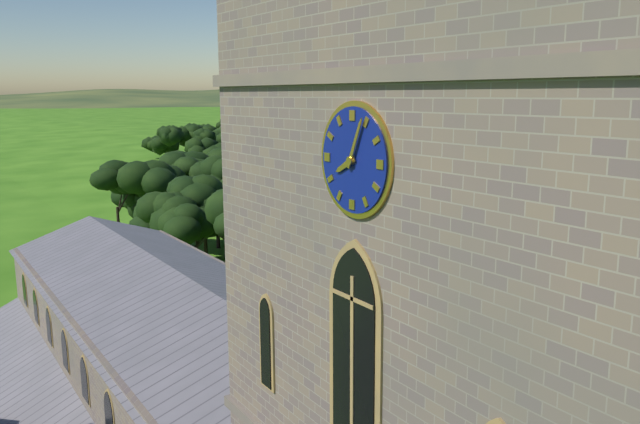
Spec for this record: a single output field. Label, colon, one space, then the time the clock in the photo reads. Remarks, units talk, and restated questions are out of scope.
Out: 8:04
